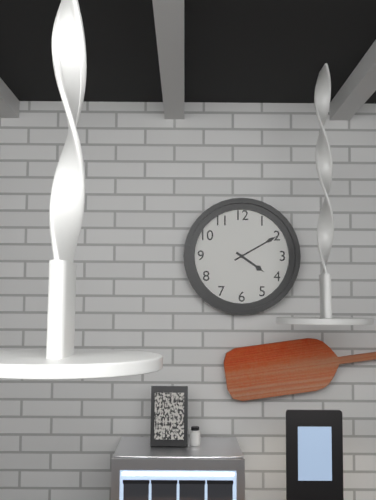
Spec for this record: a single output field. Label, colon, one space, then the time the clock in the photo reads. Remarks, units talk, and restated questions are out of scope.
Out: 4:10
